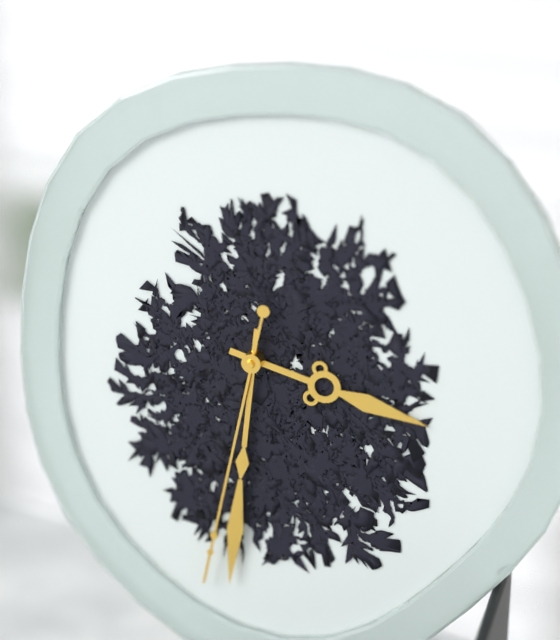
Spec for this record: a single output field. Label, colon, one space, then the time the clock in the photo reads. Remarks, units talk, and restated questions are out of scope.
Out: 3:31:32
